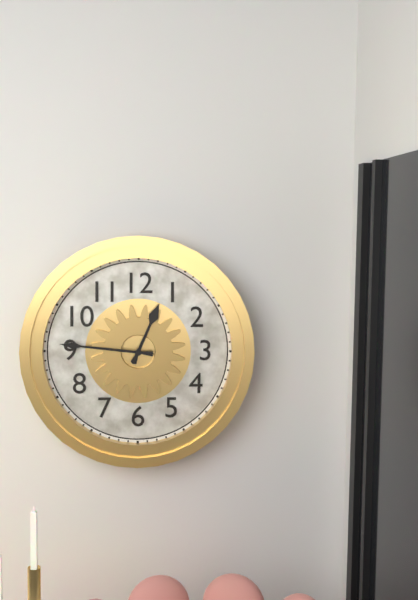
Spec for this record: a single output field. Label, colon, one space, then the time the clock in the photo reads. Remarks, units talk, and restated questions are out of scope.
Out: 12:46
